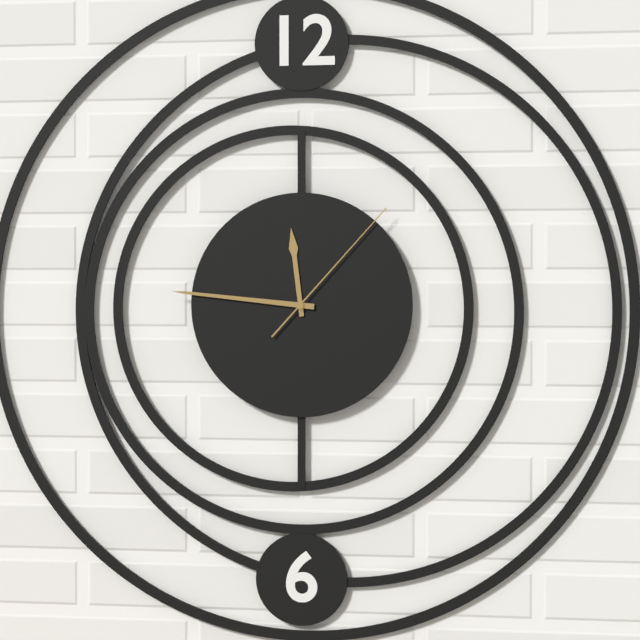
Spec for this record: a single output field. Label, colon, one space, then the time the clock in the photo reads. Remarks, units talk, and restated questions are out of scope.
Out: 11:46:07
